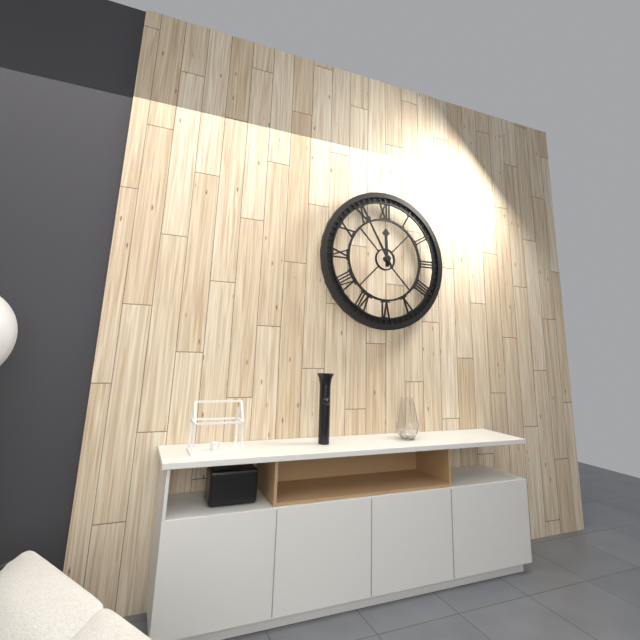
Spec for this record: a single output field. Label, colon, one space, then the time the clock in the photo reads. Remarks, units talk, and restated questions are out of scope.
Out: 11:55
